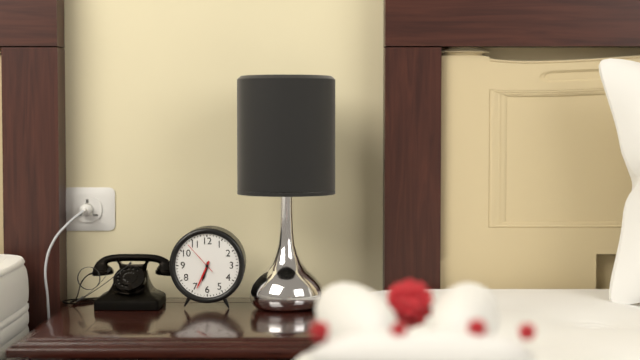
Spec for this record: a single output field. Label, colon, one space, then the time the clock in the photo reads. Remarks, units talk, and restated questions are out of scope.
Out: 6:34
